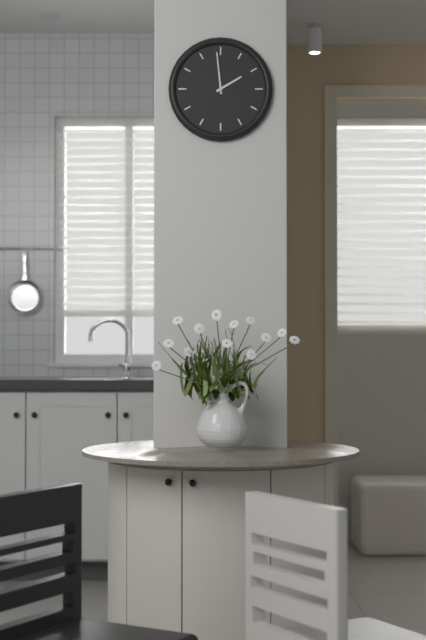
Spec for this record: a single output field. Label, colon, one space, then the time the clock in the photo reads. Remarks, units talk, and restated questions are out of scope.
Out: 1:59
